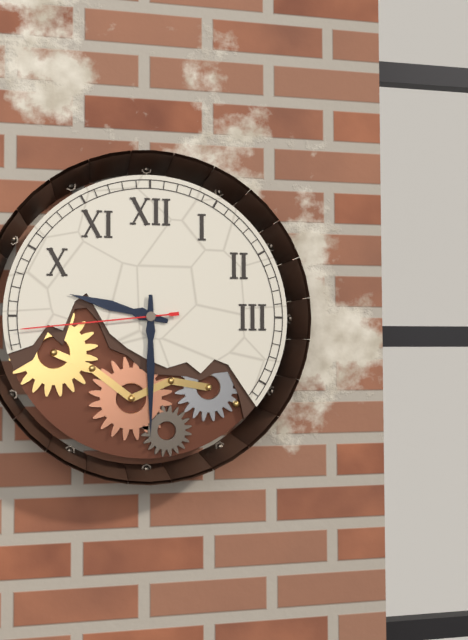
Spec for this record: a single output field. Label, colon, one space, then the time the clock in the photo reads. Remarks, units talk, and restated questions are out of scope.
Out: 9:30:44
